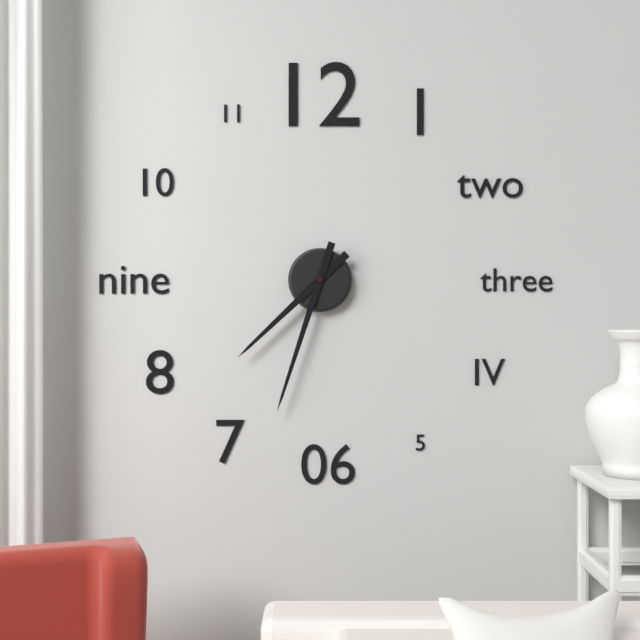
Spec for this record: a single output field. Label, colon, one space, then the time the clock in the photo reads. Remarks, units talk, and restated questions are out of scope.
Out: 7:33
